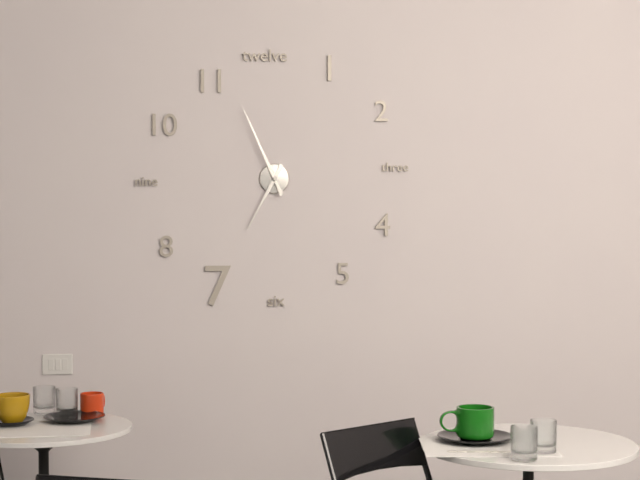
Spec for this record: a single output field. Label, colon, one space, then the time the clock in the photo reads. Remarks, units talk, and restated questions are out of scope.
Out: 6:56
